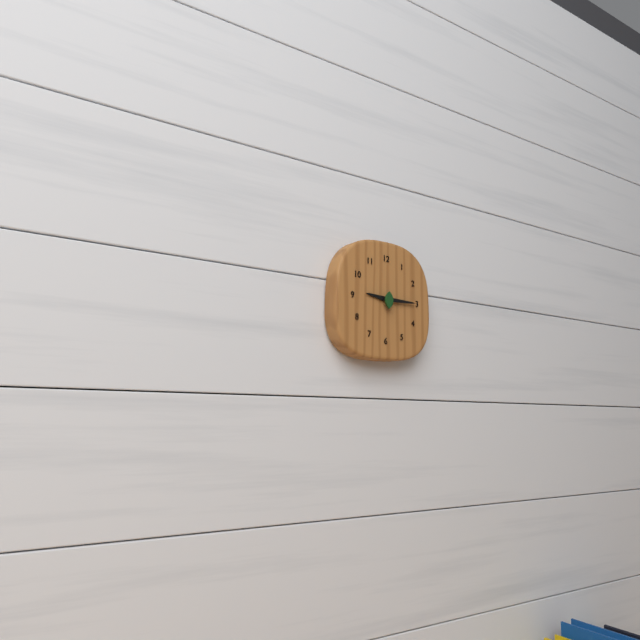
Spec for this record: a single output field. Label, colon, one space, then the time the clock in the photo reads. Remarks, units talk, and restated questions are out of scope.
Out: 9:15
